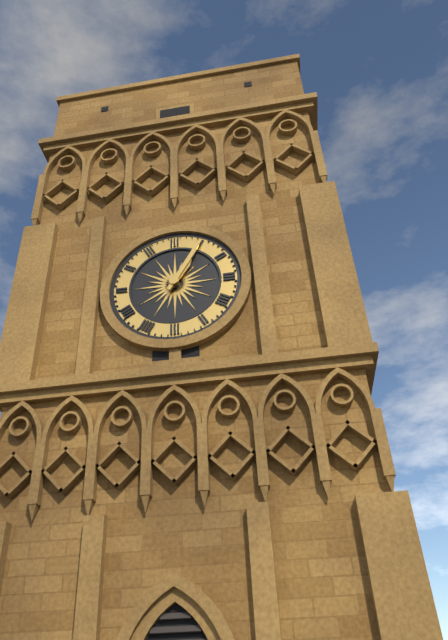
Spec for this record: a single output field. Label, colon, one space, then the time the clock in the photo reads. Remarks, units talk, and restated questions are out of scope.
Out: 1:05
